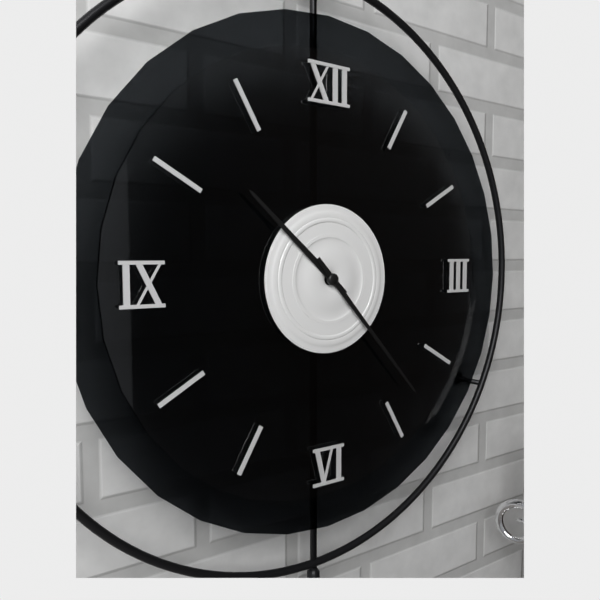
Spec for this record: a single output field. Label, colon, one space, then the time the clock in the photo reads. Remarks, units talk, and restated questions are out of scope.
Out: 10:23
